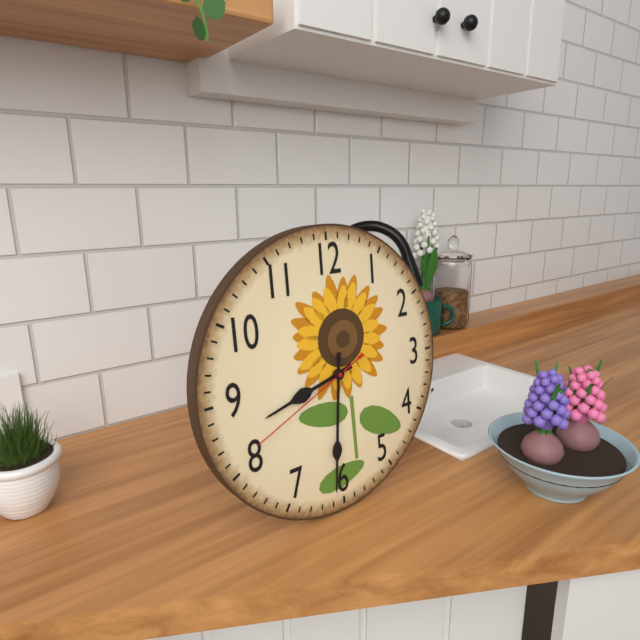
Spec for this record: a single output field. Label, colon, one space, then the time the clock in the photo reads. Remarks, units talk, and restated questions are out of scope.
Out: 8:31:41
